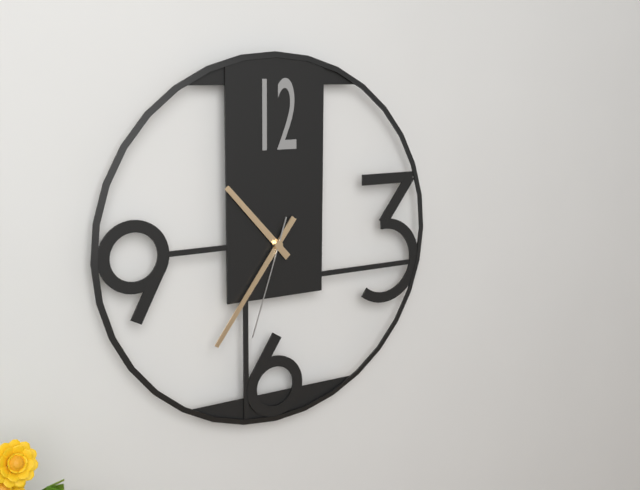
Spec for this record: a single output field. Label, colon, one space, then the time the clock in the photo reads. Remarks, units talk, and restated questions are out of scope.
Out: 10:36:33
